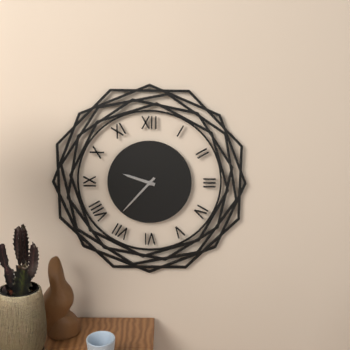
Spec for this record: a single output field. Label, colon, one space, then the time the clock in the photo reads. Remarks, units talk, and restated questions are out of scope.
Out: 9:37
